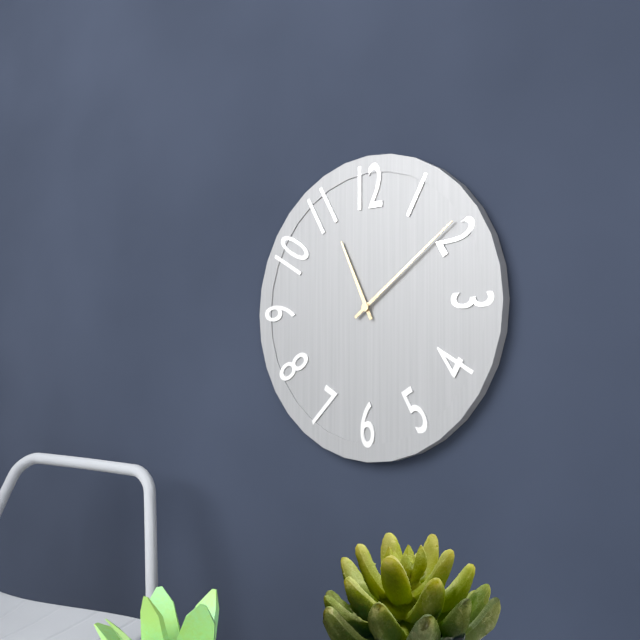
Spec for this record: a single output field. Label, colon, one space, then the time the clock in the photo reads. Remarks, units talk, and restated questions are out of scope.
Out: 11:09
